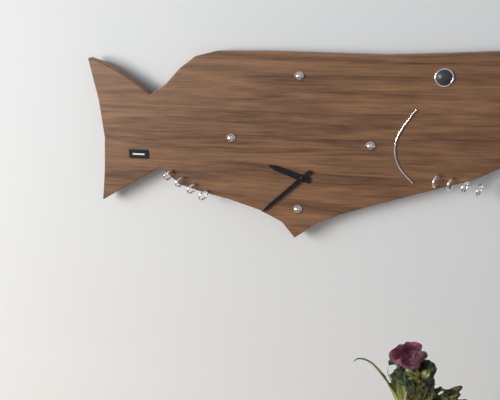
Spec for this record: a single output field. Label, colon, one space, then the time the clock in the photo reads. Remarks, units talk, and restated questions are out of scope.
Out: 9:38
